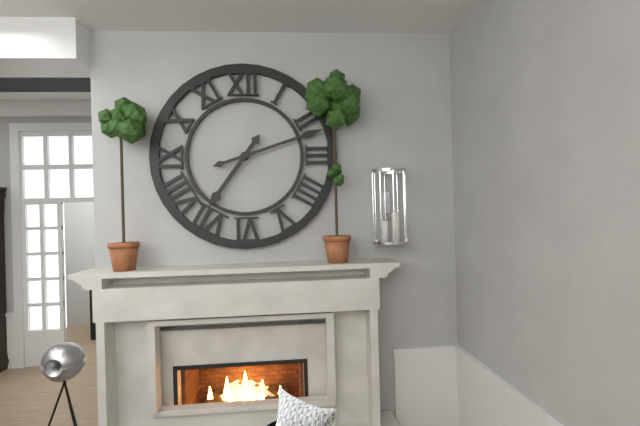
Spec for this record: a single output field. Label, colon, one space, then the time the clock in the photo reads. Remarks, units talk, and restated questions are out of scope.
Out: 7:12
